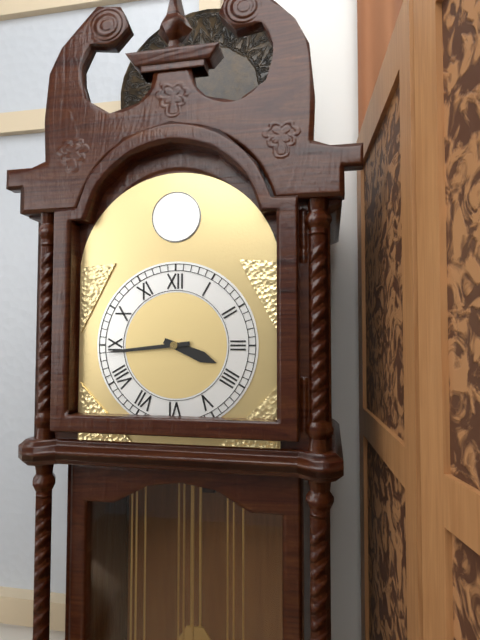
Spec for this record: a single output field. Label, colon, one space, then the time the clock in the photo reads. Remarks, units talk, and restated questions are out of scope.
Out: 3:44
